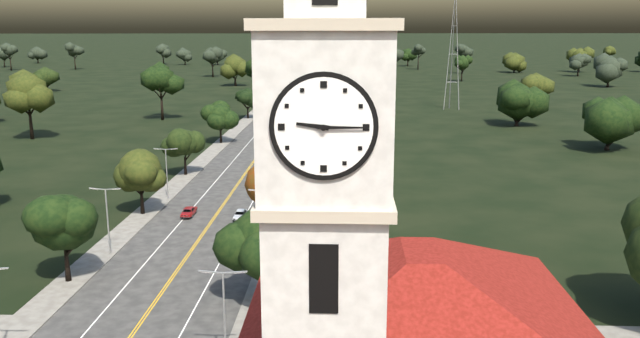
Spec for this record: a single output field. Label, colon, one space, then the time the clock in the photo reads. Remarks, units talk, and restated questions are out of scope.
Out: 9:15
